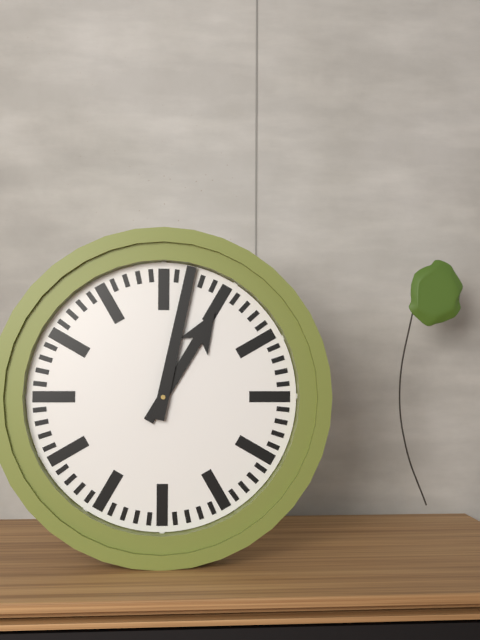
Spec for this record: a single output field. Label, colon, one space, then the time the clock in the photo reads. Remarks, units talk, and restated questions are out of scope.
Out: 1:02
